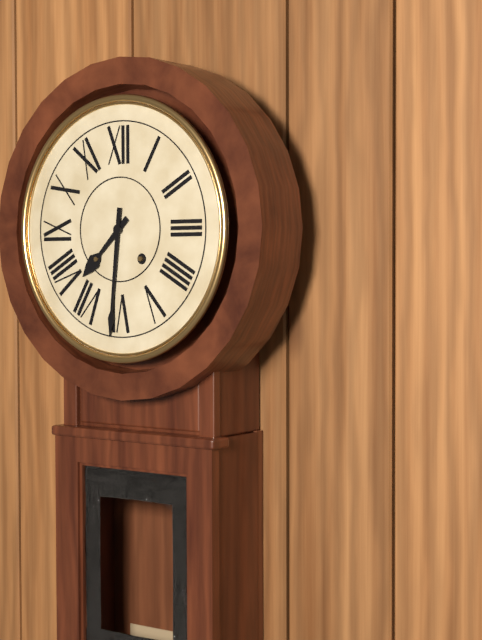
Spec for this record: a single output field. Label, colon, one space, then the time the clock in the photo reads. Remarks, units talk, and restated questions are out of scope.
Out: 7:31
